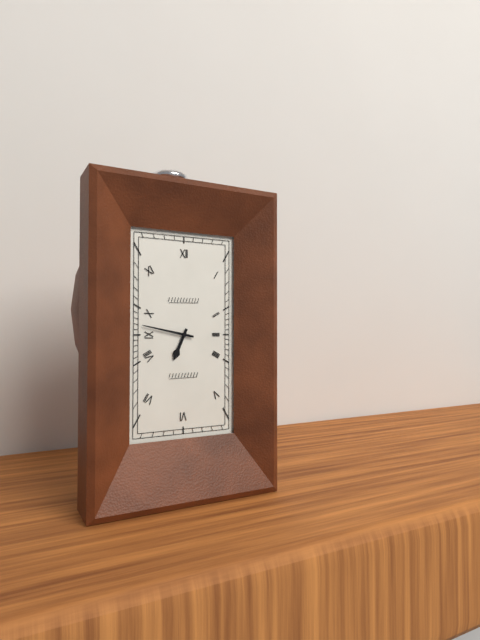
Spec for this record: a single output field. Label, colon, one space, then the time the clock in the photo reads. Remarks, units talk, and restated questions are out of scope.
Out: 6:47
